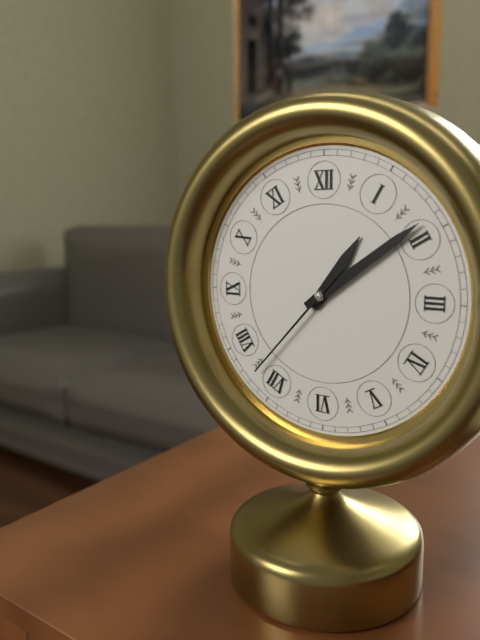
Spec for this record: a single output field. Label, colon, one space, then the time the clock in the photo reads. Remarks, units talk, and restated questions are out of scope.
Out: 1:09:37
